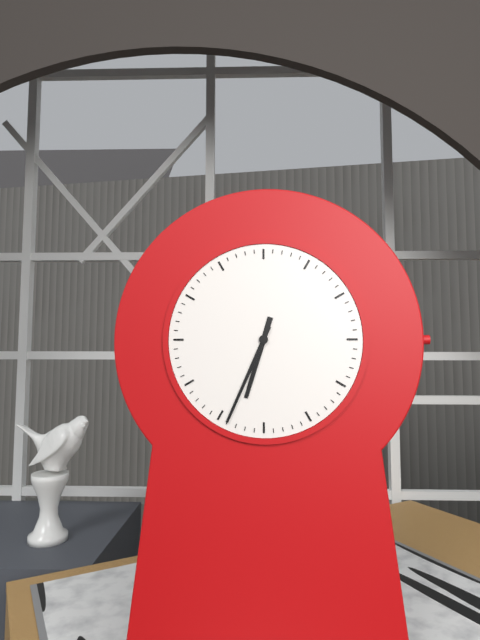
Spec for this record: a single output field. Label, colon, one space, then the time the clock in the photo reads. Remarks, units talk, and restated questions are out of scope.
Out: 6:34
